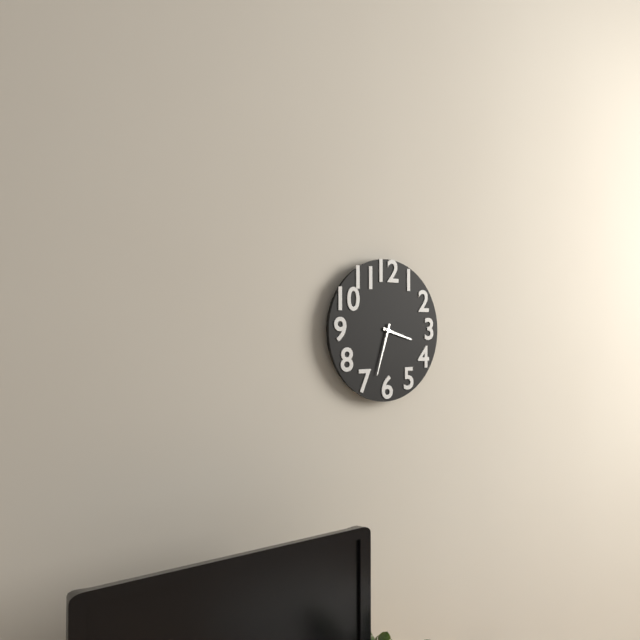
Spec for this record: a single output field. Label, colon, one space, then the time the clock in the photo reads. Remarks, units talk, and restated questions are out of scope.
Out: 3:33
